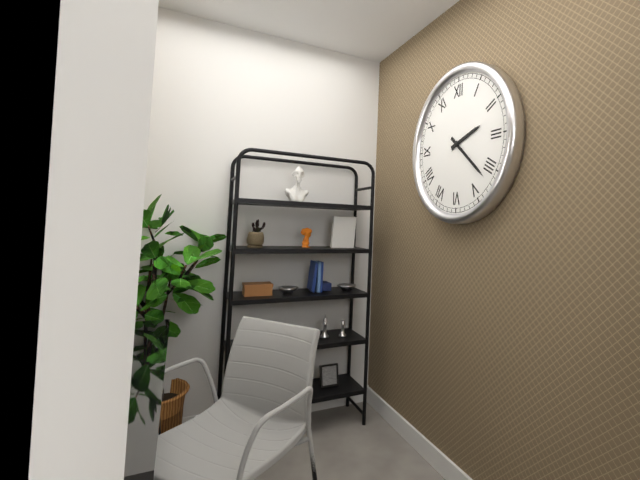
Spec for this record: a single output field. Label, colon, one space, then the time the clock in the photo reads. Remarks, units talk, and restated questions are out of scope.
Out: 2:22
